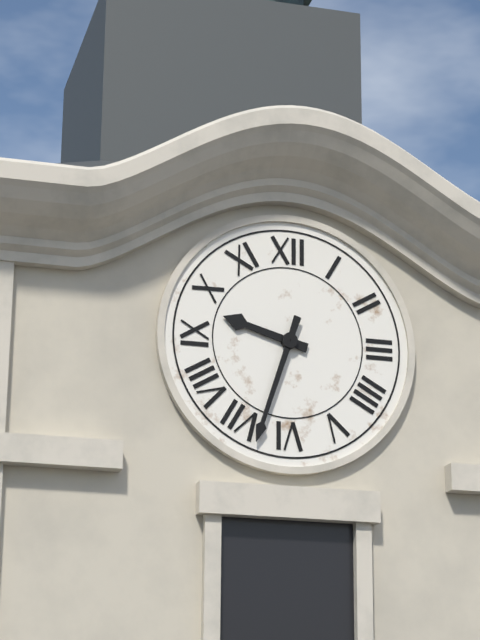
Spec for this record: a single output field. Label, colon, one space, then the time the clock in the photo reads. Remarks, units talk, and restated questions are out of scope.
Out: 9:33
